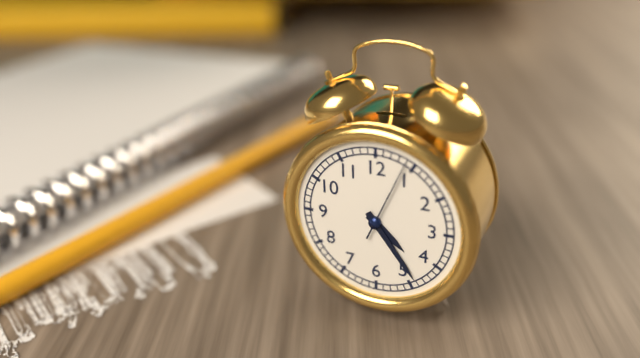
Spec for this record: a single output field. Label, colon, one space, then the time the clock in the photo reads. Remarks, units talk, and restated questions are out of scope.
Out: 4:24:04
